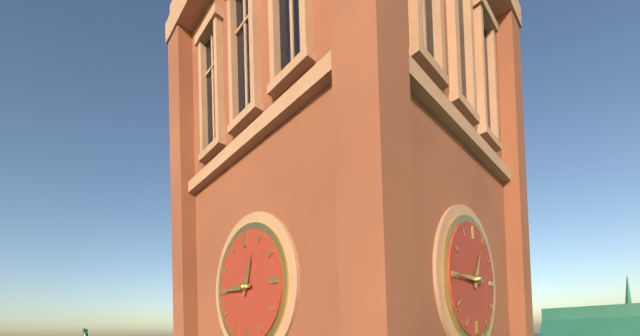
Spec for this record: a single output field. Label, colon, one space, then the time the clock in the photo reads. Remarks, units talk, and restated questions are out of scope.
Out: 12:45
